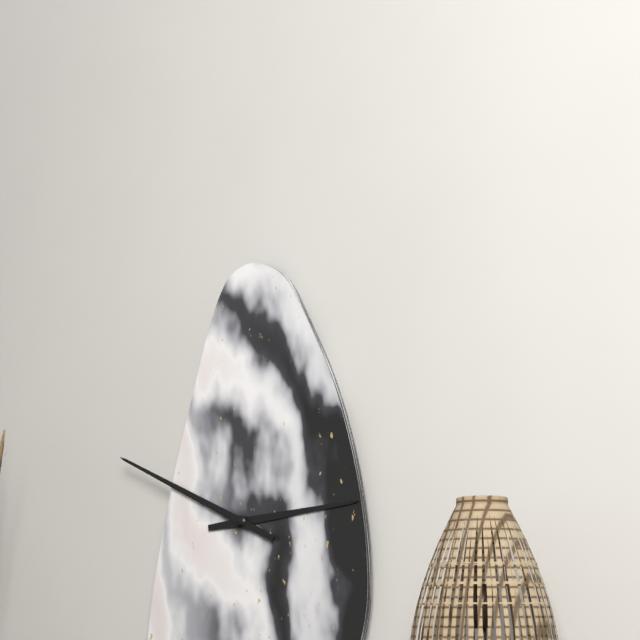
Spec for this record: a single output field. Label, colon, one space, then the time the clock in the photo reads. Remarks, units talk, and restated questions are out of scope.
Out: 2:49
